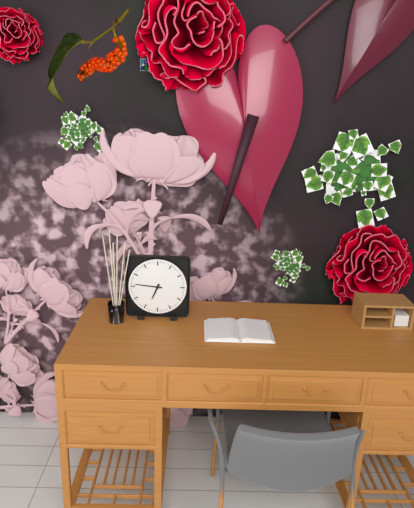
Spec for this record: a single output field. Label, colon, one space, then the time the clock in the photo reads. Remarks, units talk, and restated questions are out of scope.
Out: 6:46
